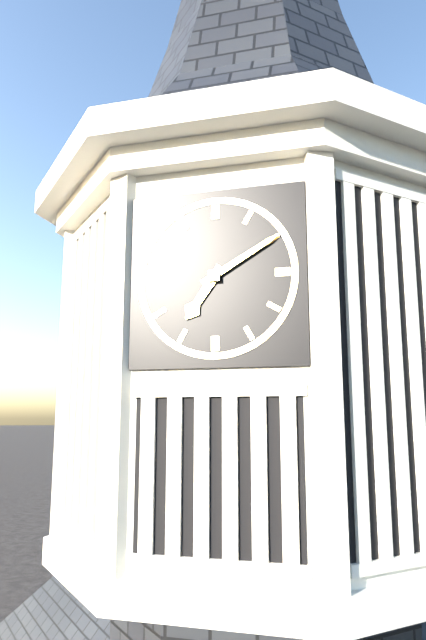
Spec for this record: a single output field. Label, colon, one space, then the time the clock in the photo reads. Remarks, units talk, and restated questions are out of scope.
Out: 7:10
